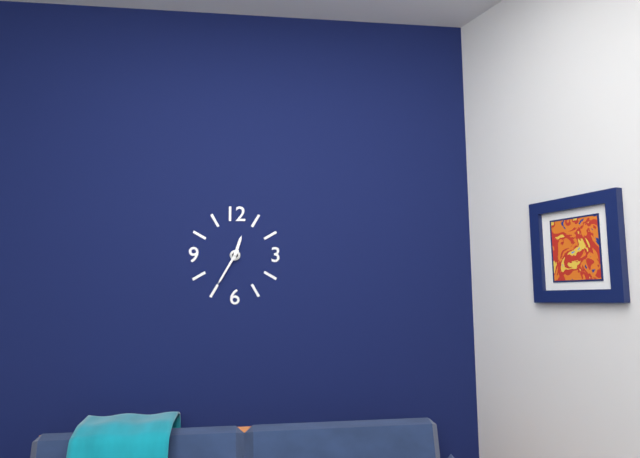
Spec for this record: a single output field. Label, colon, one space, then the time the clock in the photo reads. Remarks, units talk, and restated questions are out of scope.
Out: 12:35
